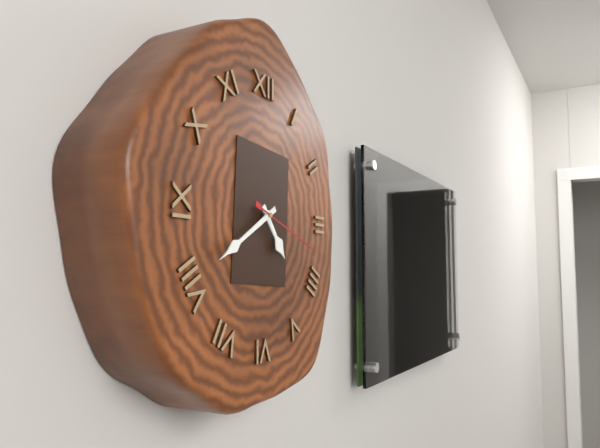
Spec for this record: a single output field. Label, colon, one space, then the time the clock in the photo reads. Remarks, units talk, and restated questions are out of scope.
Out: 4:40:18
